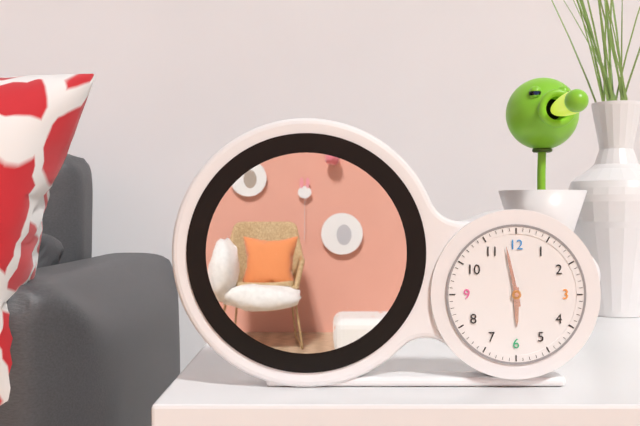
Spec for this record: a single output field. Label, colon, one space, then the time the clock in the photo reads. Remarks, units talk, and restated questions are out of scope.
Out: 5:58
